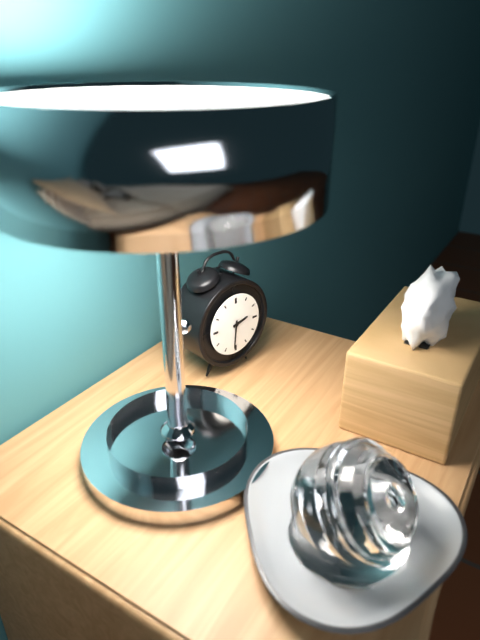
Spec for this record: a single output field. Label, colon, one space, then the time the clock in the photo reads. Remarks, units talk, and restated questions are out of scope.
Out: 2:31
